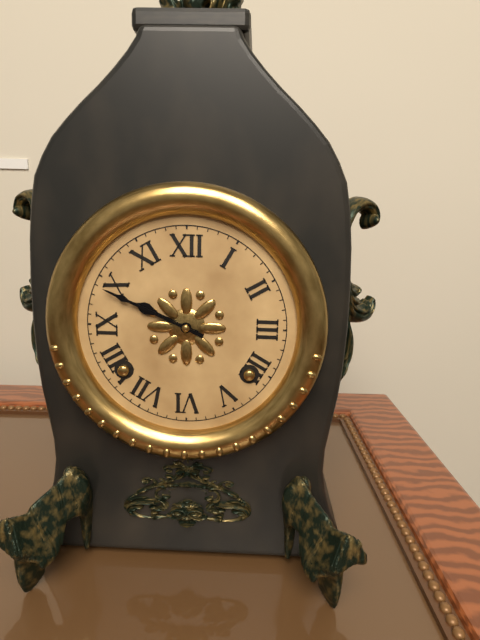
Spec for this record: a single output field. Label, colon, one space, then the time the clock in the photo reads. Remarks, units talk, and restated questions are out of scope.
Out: 9:49
